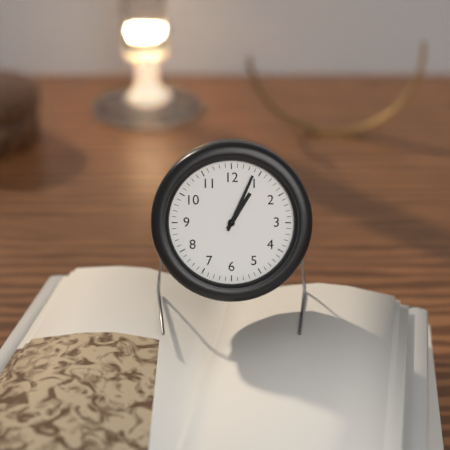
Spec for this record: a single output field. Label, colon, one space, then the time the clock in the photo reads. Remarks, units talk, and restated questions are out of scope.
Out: 1:04
